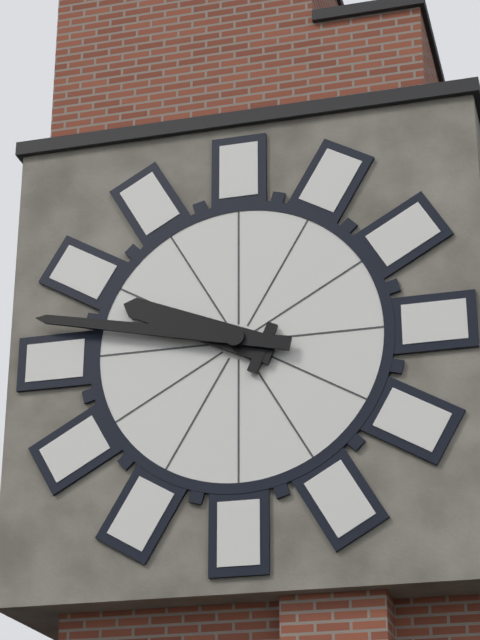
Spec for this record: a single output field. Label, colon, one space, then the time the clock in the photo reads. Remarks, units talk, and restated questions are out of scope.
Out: 9:47
